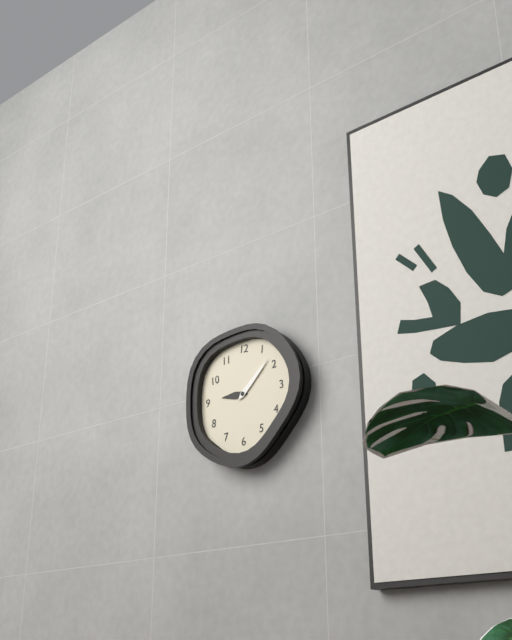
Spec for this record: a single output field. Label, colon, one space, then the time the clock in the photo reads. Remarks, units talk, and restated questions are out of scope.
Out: 9:08
